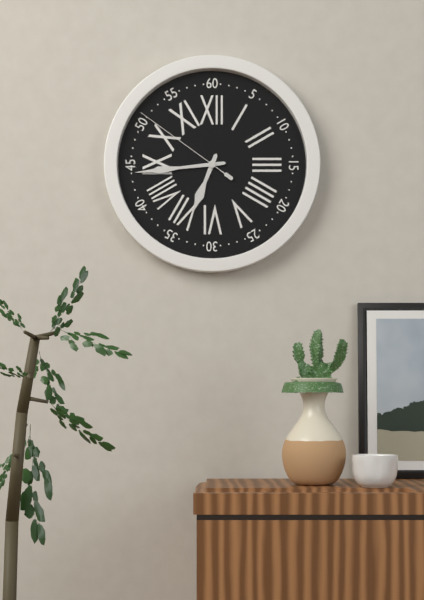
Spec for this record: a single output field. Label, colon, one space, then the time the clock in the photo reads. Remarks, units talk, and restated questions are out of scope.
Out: 6:44:51
